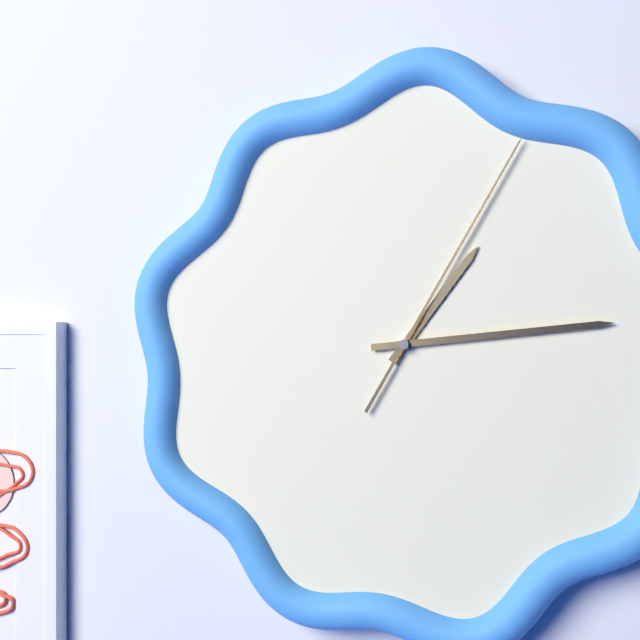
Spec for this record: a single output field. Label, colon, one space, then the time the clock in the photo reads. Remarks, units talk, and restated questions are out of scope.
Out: 1:14:05
